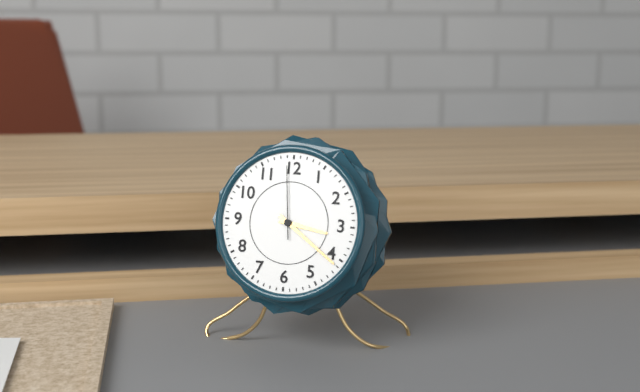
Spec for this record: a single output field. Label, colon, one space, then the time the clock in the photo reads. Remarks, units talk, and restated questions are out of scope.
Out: 3:21:59
